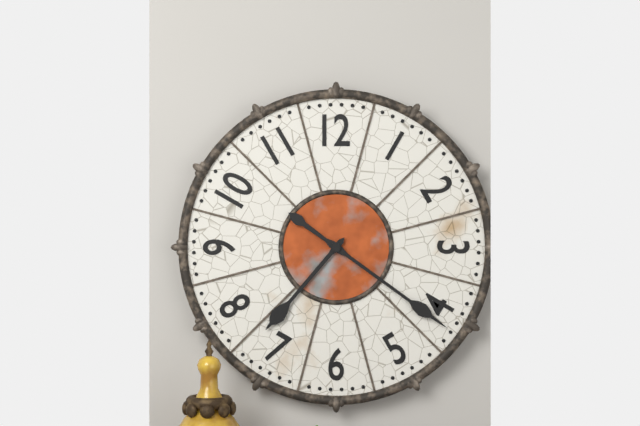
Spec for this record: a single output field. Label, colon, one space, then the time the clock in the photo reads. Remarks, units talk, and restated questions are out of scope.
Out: 7:21
